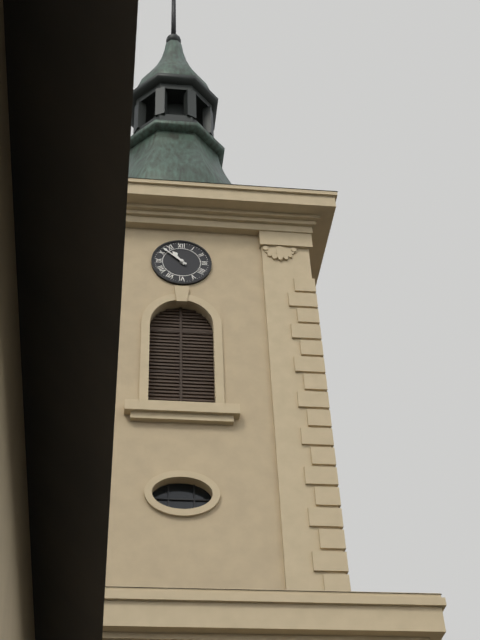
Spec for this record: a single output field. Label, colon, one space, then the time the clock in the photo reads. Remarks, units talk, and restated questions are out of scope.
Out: 10:52
